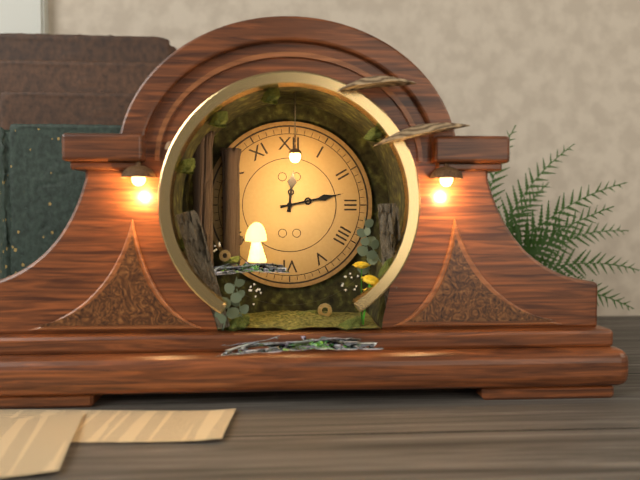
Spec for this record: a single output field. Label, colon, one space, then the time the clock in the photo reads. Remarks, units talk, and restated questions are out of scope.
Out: 12:13
